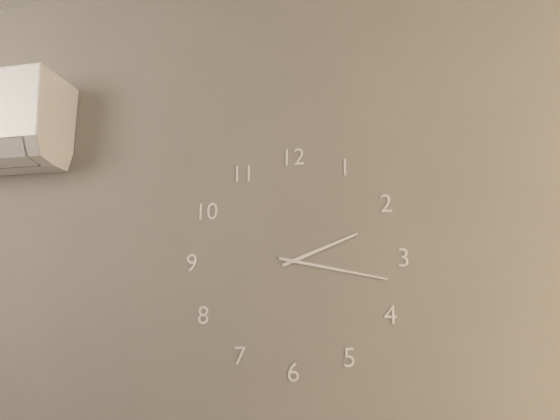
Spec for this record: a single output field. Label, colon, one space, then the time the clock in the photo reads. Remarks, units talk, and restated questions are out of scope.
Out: 2:17
